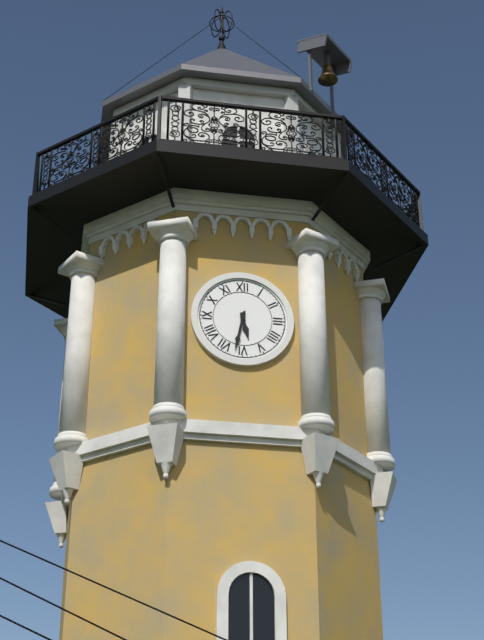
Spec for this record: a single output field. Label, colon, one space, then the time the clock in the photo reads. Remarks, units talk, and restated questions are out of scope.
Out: 5:32
